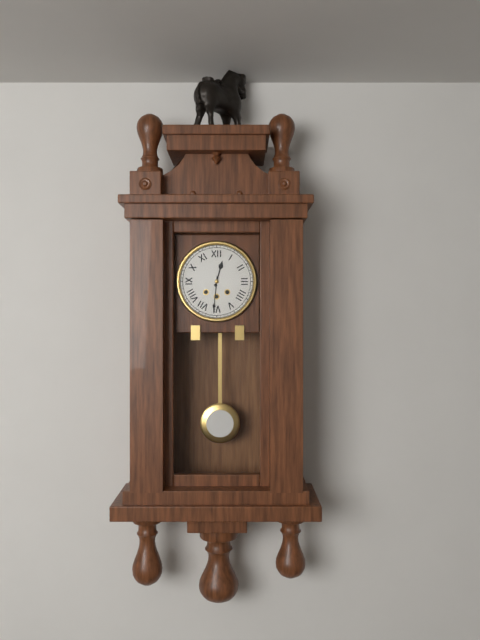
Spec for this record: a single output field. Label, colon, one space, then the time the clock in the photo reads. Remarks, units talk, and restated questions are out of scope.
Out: 12:31
